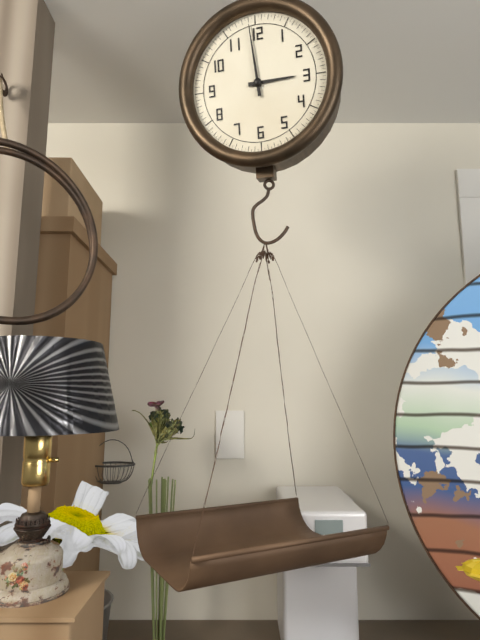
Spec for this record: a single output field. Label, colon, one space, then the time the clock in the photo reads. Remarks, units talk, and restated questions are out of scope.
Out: 2:59
